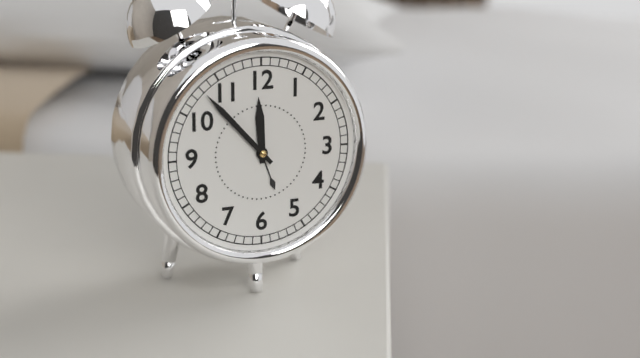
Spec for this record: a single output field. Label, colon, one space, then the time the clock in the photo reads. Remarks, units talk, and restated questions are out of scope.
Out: 11:53
